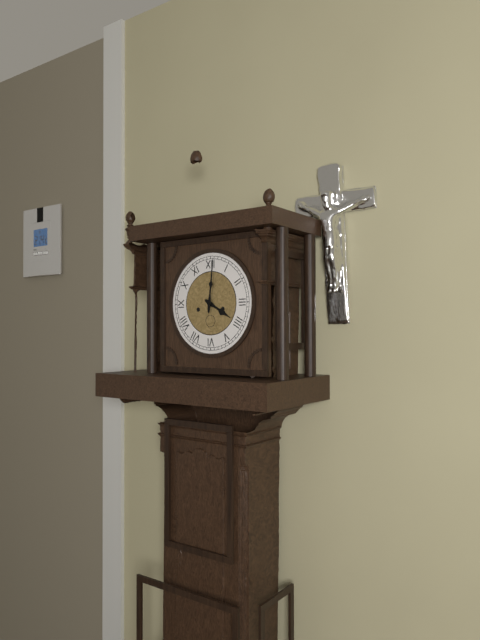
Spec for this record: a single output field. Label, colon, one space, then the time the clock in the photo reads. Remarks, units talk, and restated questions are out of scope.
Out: 4:01
